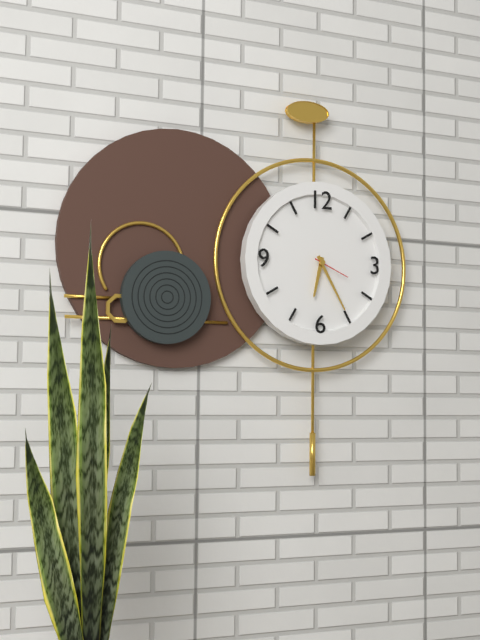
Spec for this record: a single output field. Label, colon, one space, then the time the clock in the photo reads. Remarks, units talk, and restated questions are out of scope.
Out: 6:25
